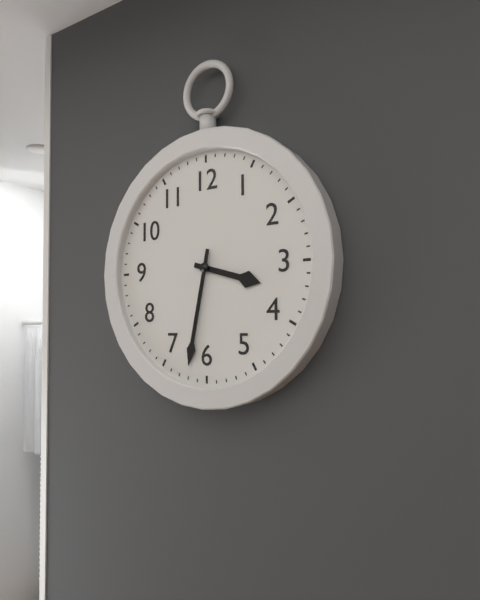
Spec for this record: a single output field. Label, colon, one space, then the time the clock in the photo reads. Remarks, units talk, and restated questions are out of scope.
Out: 3:32
